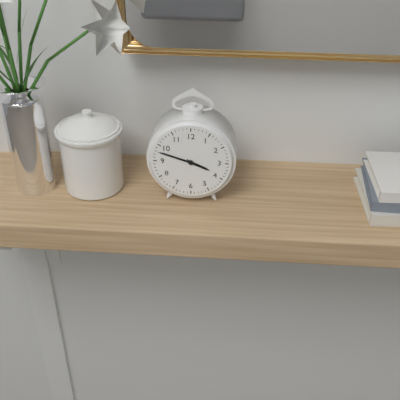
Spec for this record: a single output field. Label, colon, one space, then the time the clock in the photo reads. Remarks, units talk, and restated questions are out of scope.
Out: 3:48
